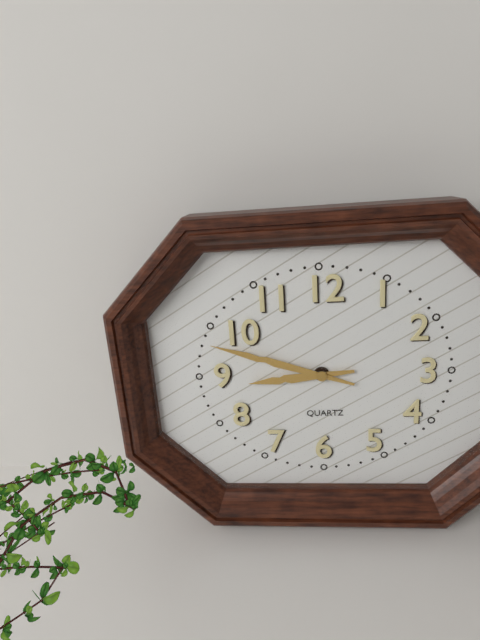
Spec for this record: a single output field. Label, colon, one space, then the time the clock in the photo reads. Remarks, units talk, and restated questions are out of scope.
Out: 8:48
